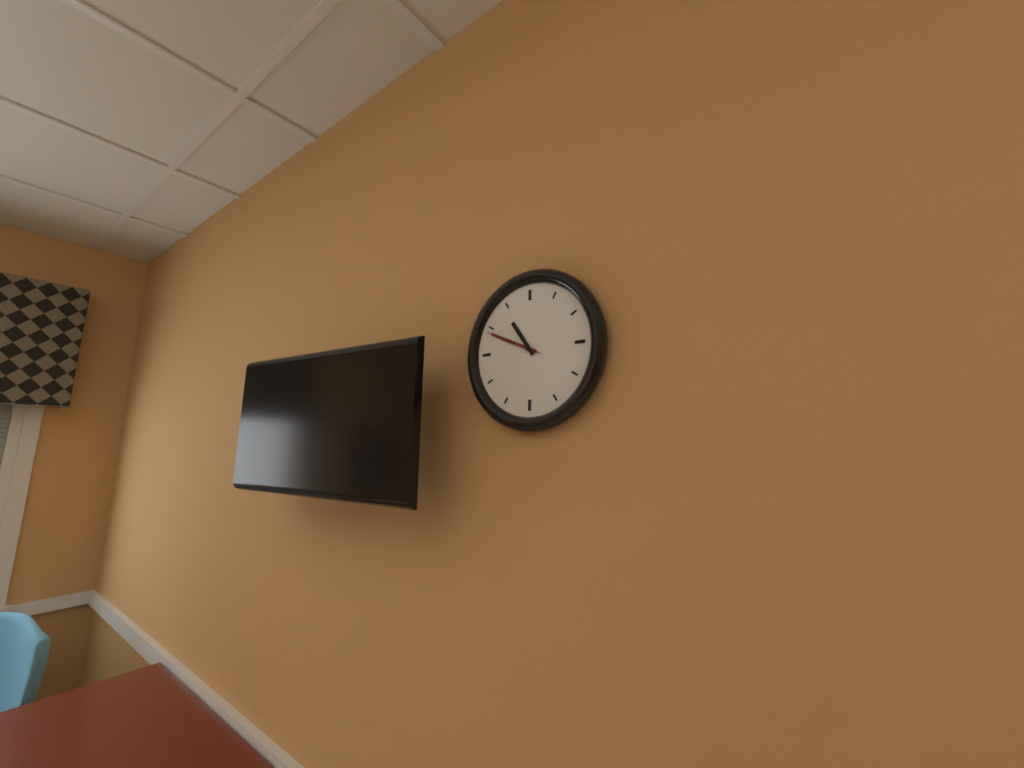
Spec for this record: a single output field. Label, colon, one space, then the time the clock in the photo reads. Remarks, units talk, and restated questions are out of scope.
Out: 10:49:49
